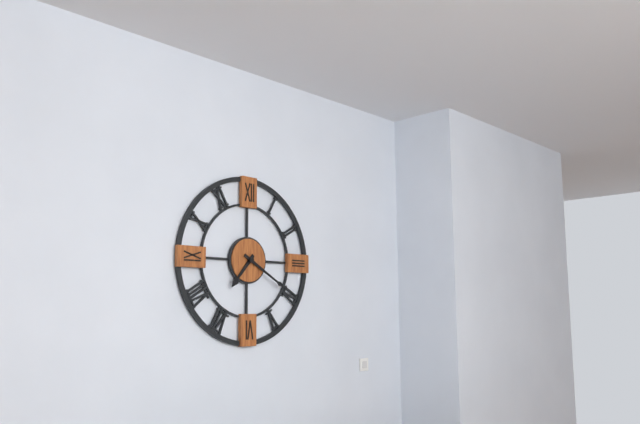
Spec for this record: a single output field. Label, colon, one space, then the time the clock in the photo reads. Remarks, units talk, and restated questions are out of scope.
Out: 7:20
